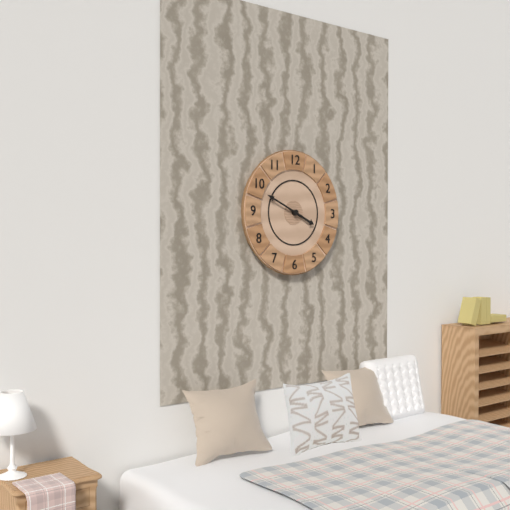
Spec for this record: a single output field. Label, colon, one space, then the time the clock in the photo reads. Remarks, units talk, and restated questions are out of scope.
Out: 3:49
